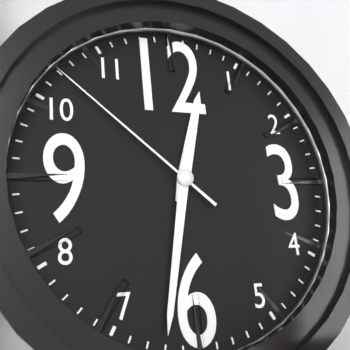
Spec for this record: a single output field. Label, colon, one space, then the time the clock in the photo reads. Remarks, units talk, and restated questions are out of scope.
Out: 12:32:52
